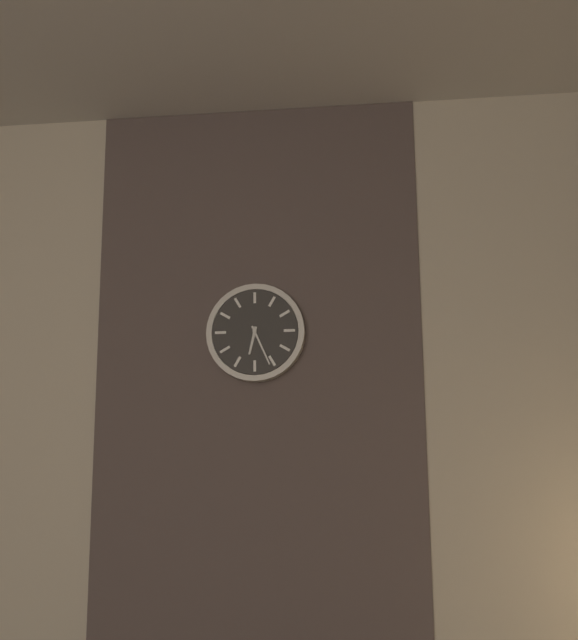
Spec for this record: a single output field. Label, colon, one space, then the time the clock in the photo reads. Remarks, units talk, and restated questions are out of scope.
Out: 6:26
